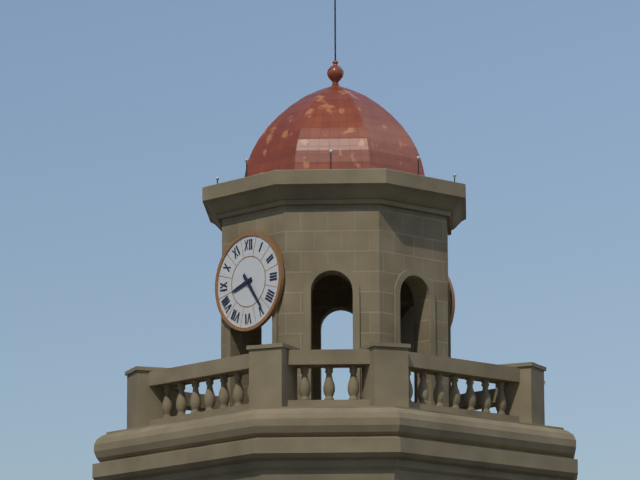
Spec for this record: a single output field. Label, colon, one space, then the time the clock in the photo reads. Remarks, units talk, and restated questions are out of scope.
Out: 8:24
